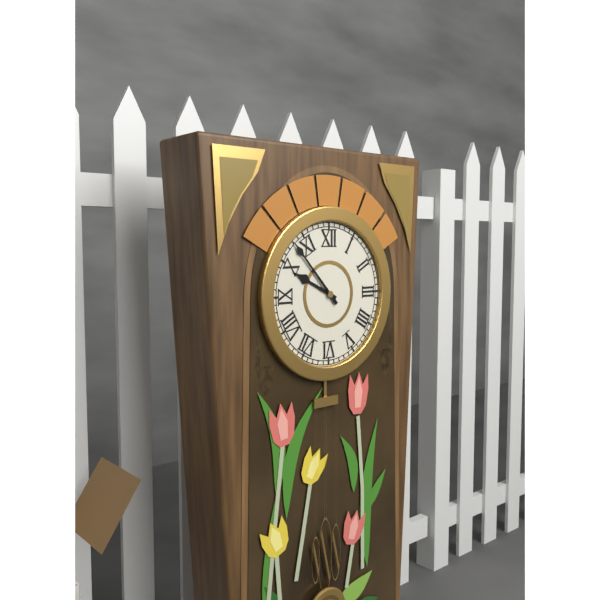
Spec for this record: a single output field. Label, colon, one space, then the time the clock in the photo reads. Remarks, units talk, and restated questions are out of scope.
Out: 9:53
